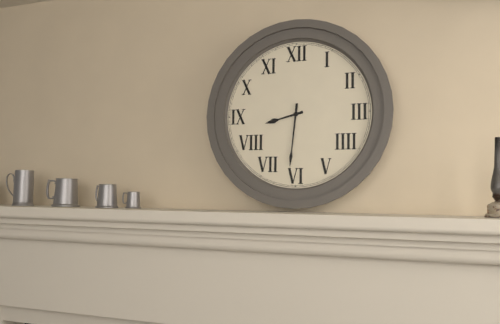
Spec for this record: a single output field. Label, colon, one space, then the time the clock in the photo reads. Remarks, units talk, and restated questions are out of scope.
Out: 8:31
